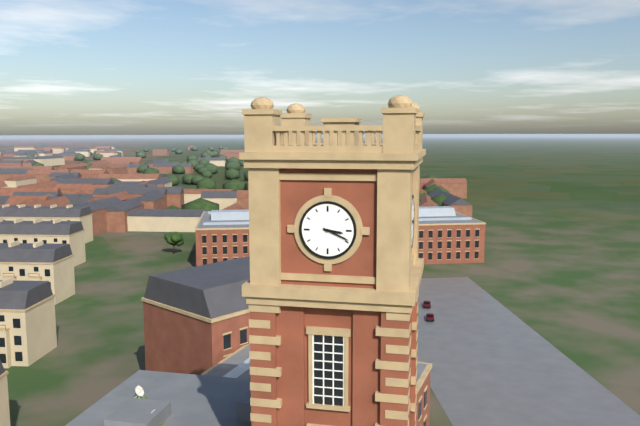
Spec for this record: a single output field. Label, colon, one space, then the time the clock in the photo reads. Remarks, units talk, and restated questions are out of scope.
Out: 3:19
